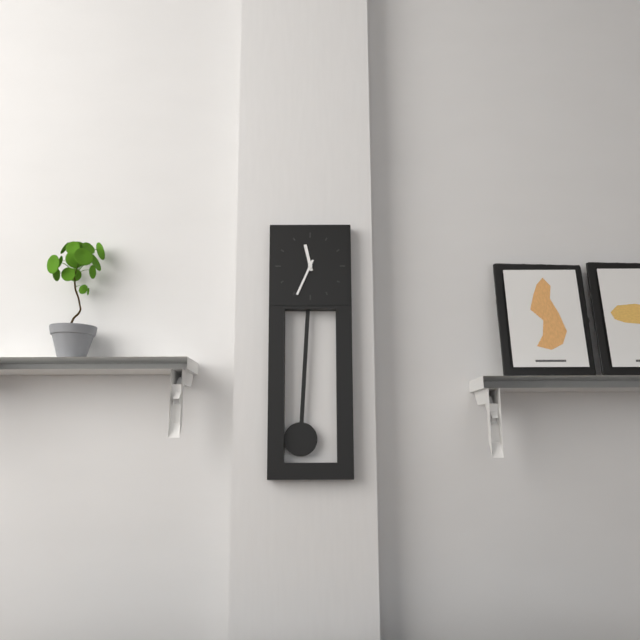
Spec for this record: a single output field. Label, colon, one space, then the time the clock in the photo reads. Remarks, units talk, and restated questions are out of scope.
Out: 11:34
